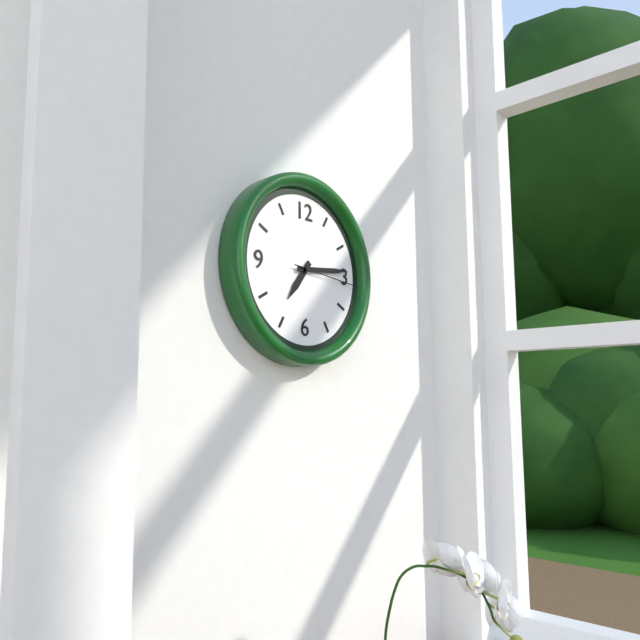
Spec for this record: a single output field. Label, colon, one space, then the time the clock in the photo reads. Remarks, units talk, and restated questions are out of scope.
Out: 7:14:16
